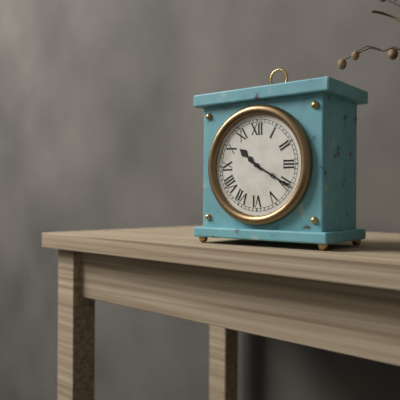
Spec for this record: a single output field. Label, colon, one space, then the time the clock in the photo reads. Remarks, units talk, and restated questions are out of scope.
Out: 10:20
